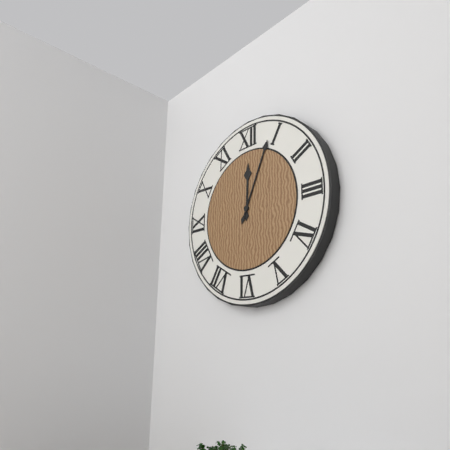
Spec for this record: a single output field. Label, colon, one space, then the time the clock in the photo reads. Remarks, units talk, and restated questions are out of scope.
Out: 12:04
